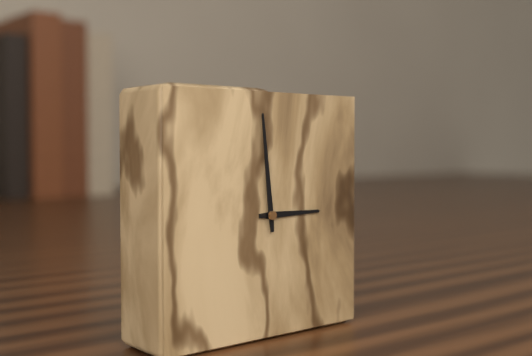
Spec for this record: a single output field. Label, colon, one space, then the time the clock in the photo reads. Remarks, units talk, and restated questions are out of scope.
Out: 2:59
